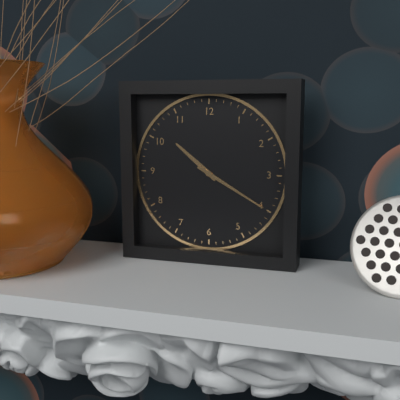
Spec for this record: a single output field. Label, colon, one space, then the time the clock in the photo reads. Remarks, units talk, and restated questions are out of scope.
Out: 10:20
